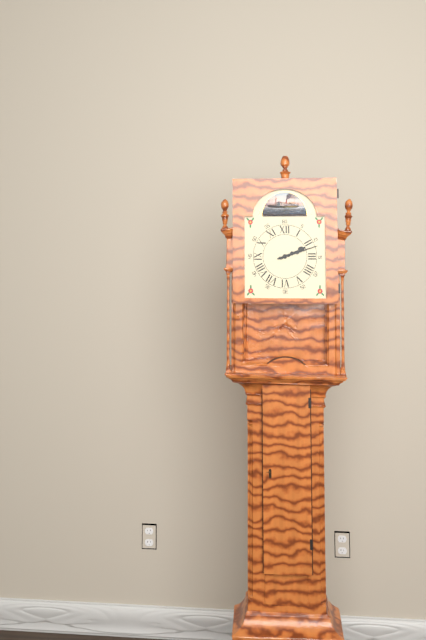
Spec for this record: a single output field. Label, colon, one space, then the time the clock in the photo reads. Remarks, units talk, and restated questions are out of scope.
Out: 2:12
